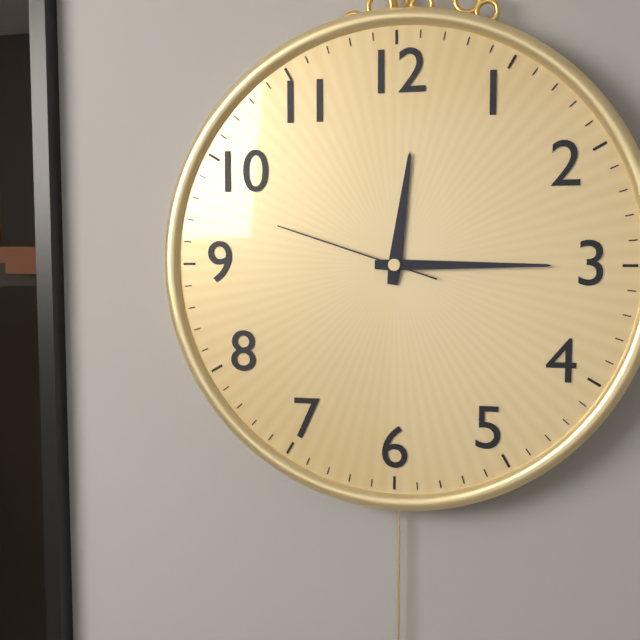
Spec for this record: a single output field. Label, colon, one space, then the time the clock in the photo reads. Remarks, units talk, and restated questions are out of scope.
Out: 12:15:48
